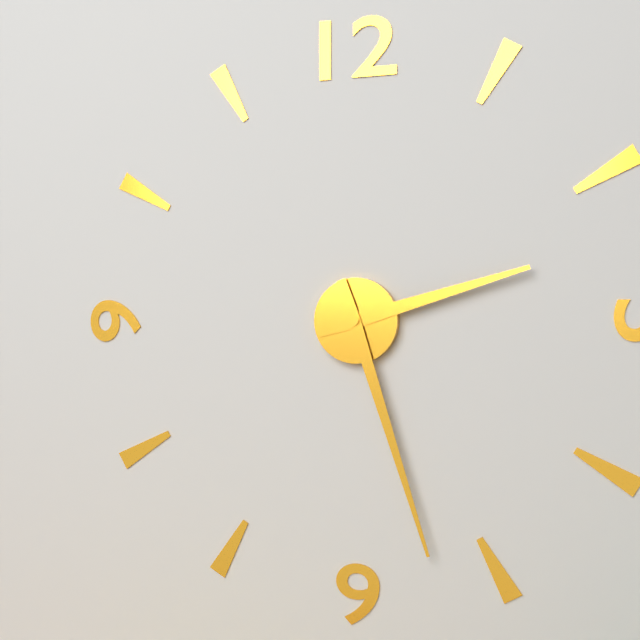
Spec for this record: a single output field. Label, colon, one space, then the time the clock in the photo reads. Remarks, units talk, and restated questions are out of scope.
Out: 2:27
